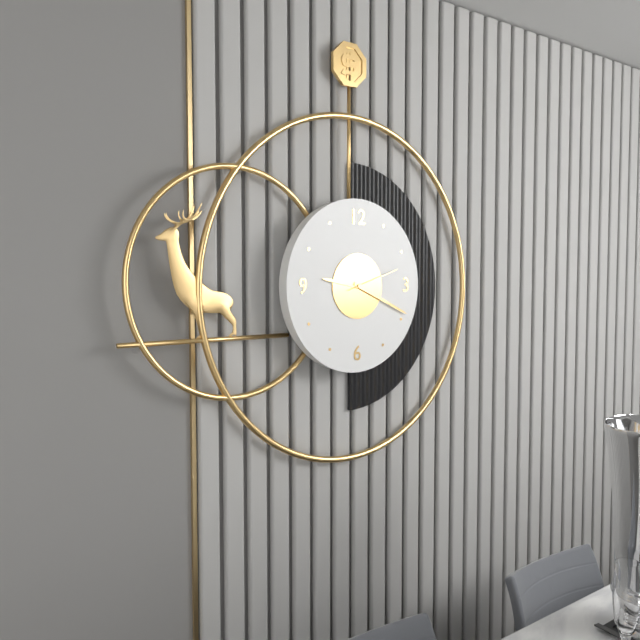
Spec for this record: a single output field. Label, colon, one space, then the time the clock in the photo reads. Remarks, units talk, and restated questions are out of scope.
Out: 9:19:12
